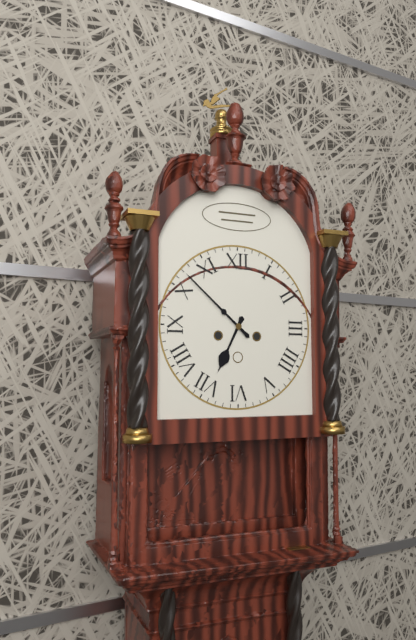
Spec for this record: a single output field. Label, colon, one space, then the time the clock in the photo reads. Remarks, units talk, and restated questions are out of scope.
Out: 6:52
